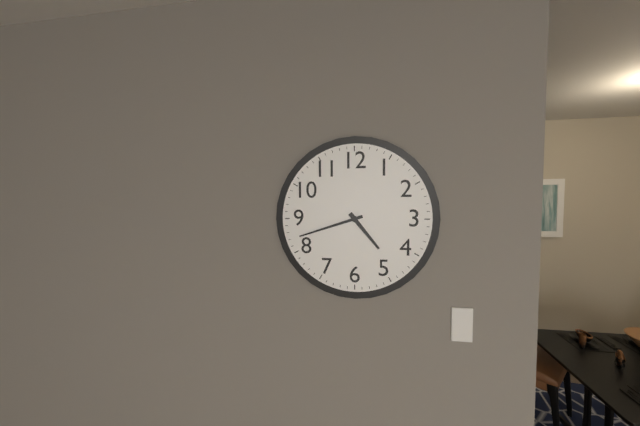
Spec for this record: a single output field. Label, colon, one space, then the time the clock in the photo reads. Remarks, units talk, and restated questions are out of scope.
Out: 4:42
